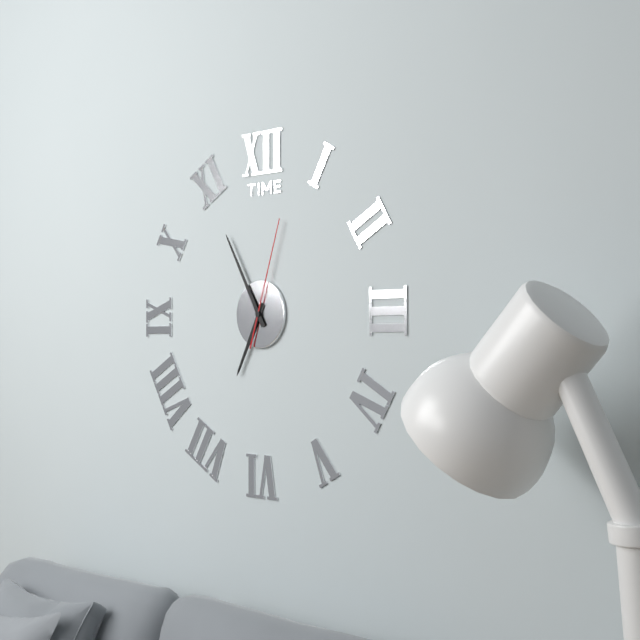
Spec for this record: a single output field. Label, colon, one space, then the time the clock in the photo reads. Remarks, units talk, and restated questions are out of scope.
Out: 6:55:03
